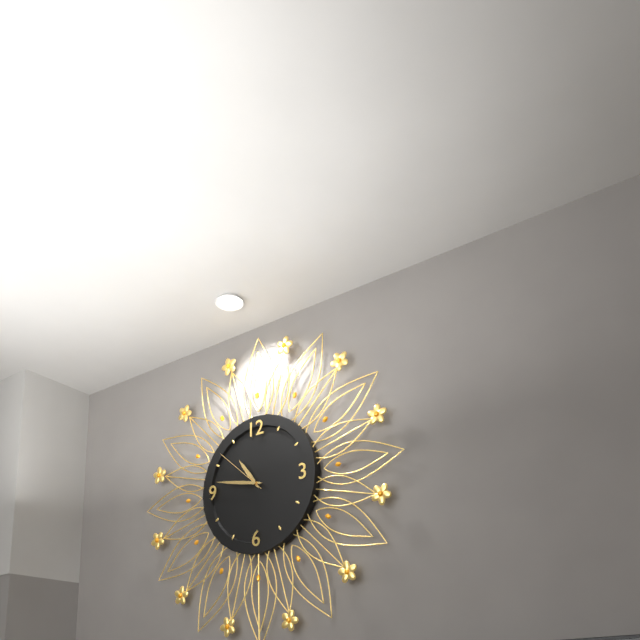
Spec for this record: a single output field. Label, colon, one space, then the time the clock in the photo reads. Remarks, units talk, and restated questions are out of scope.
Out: 10:47:52
